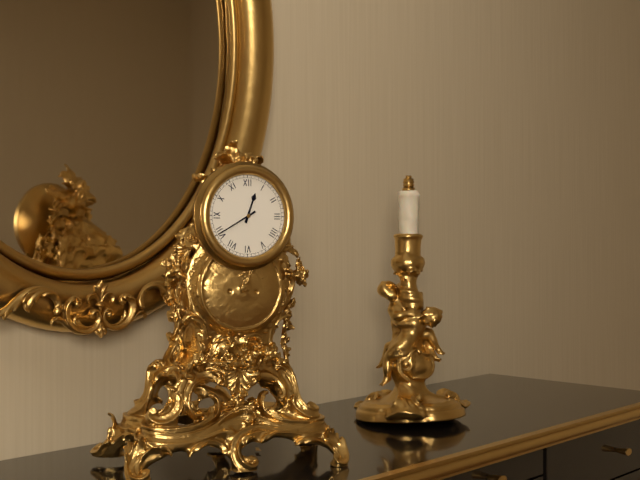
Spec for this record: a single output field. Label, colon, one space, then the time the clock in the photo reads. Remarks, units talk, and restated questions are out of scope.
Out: 12:40
